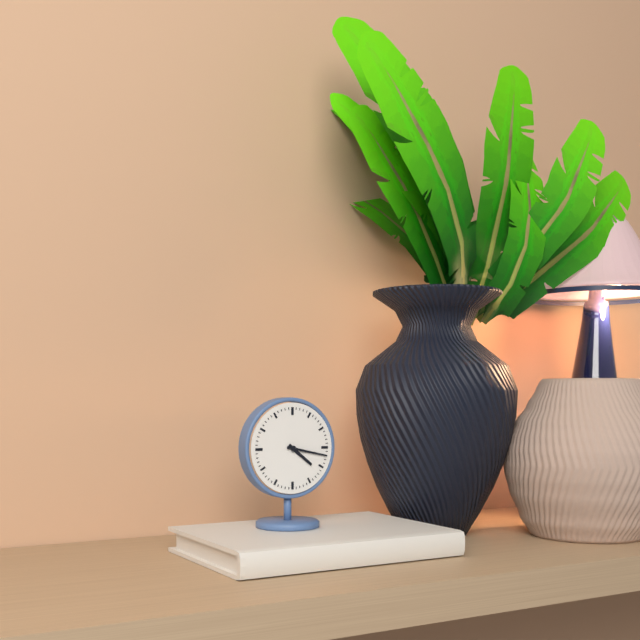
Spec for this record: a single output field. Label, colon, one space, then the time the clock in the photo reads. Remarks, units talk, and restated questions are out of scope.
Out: 4:17
